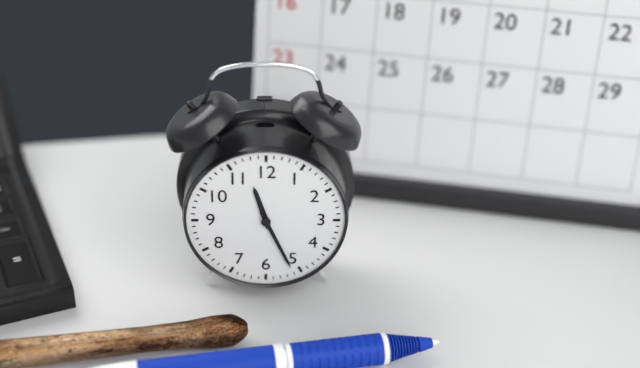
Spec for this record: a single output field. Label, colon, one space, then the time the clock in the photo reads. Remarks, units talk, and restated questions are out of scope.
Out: 11:26
